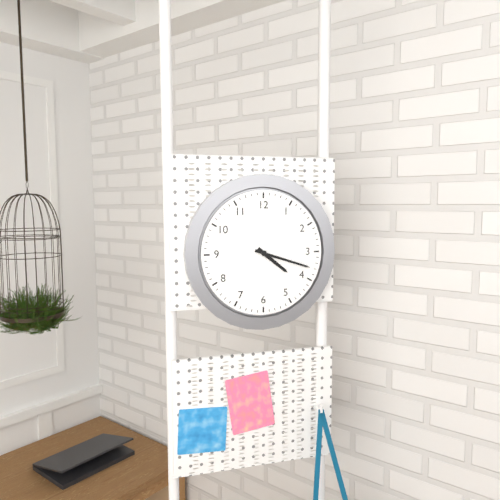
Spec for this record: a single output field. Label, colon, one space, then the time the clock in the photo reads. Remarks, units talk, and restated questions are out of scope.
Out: 4:18
